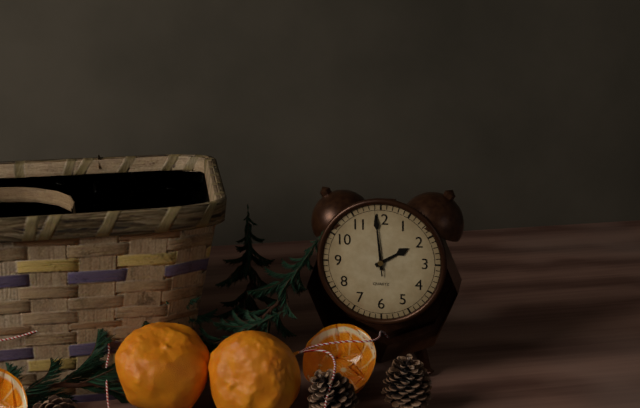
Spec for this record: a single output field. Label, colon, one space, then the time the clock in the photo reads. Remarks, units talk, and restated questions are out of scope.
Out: 1:59:59
